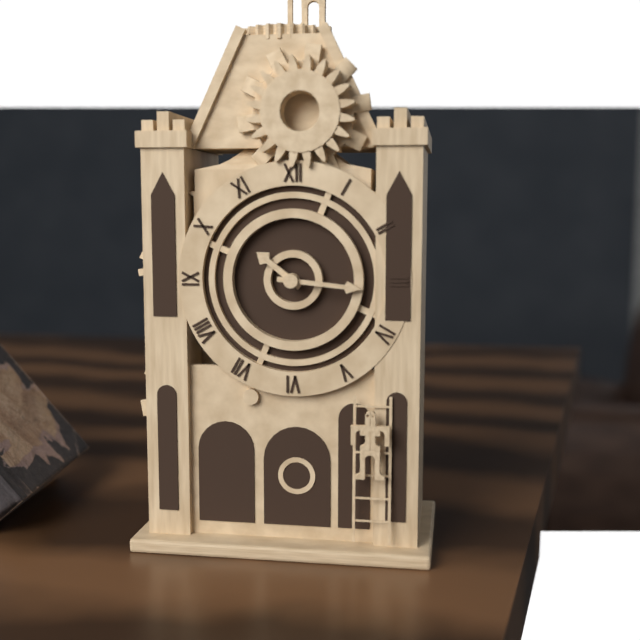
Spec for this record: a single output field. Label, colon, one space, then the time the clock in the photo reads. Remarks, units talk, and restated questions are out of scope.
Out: 10:16
